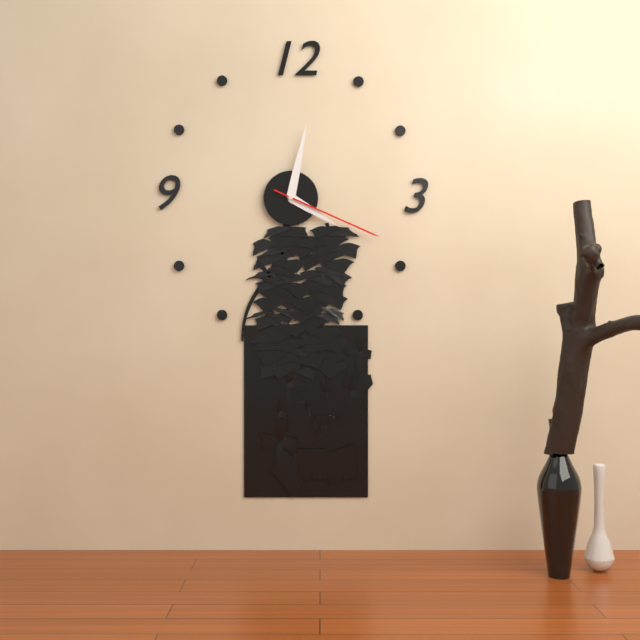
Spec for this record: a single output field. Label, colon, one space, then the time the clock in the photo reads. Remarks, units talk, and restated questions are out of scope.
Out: 4:02:19
